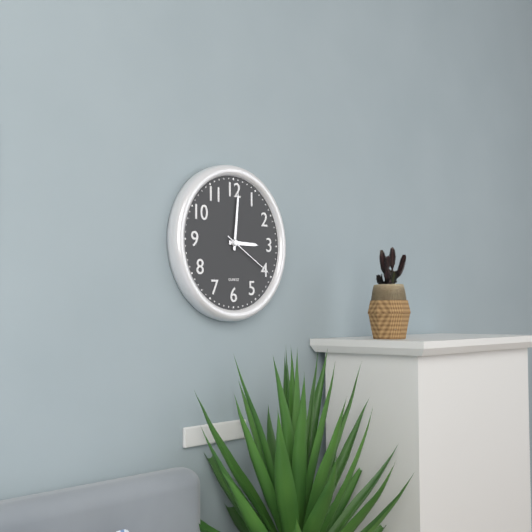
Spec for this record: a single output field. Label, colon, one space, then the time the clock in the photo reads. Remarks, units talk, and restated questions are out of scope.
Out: 3:01:20
